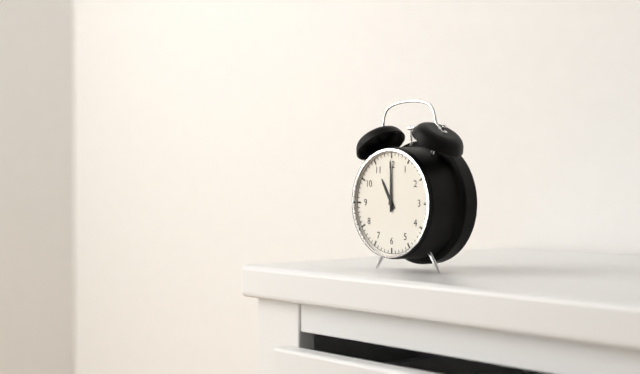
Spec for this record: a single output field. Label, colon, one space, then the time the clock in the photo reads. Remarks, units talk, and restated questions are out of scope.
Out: 11:00
